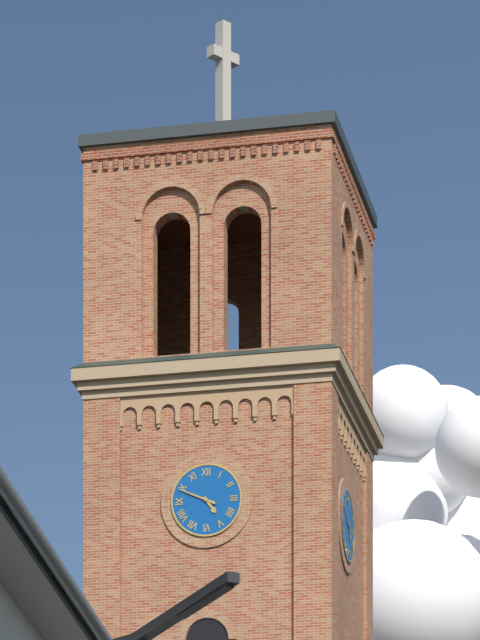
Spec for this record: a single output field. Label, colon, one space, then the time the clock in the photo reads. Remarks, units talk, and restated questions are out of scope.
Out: 4:49
